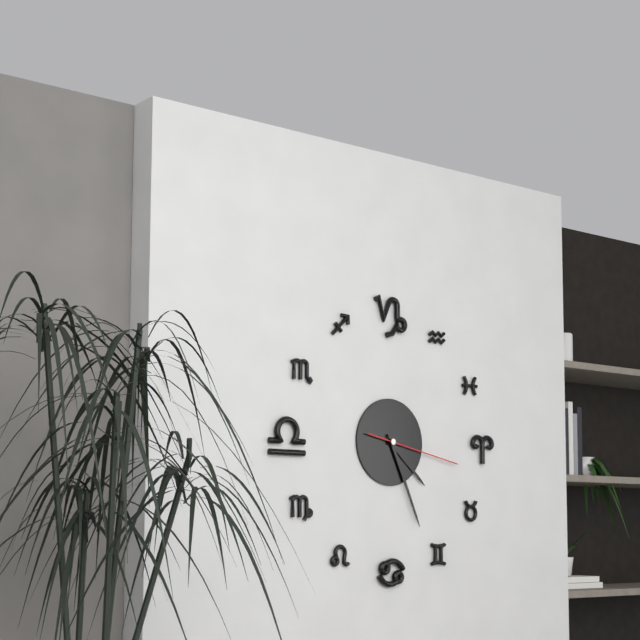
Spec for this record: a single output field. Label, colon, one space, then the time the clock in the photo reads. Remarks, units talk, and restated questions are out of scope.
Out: 4:26:17
